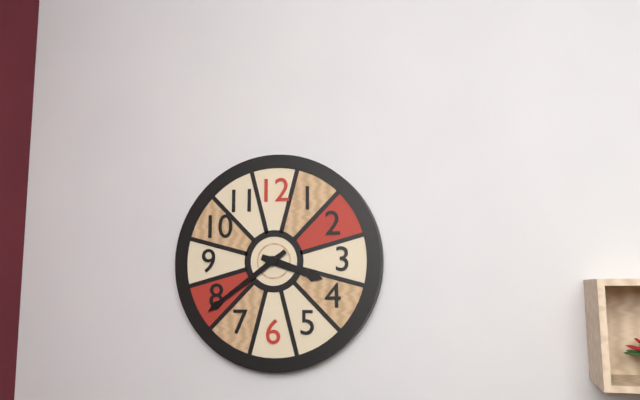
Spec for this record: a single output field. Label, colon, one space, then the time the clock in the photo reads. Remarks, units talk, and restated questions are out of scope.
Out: 3:39
